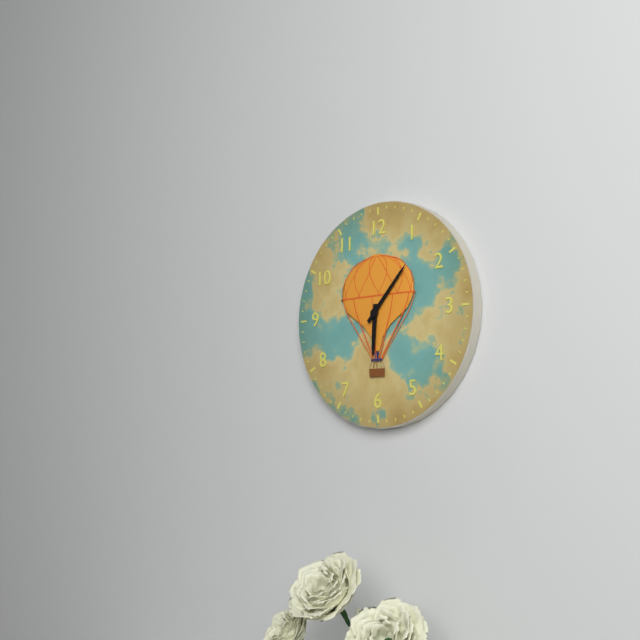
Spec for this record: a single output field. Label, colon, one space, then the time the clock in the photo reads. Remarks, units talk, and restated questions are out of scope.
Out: 6:07
